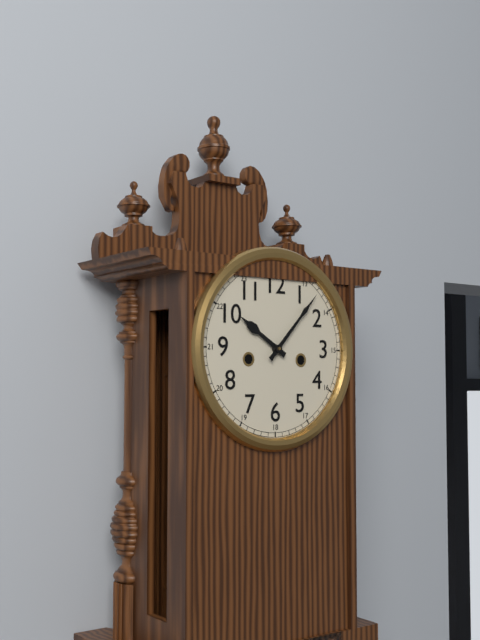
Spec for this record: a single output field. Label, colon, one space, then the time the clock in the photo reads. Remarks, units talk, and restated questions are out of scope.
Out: 10:07
